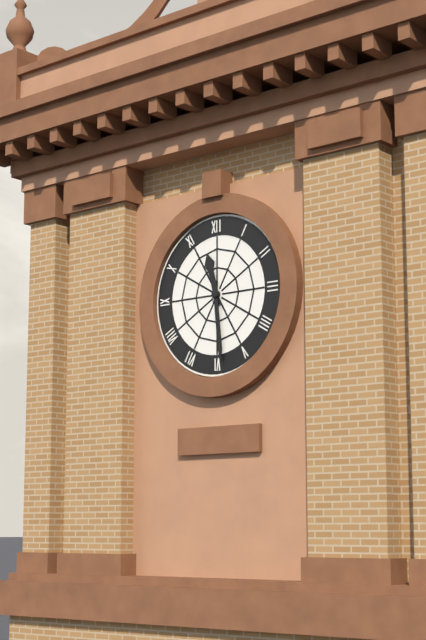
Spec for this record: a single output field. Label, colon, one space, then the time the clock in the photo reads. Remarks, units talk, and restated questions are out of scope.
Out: 11:29
